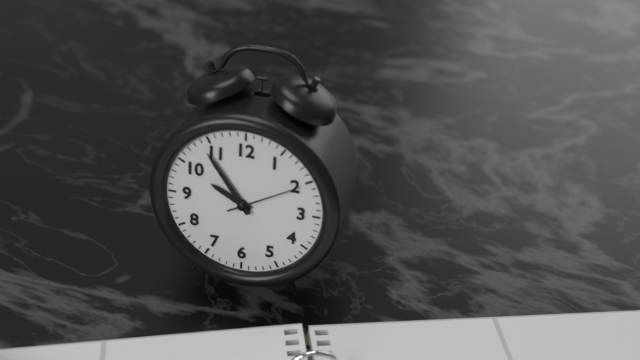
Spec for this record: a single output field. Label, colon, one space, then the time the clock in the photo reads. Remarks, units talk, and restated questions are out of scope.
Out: 9:54:10
